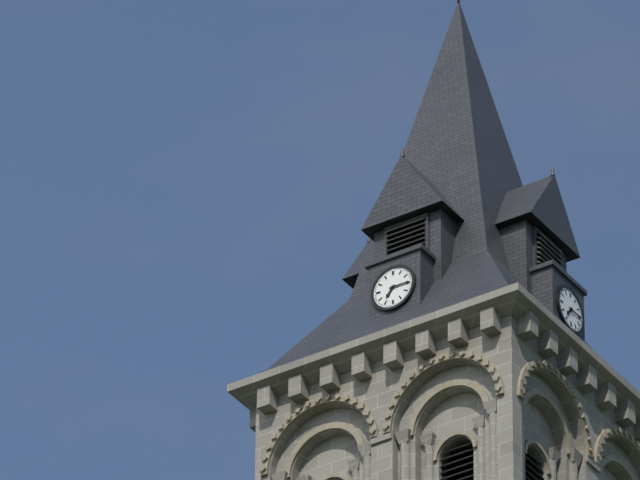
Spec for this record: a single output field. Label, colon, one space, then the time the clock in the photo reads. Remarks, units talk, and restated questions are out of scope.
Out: 7:15
